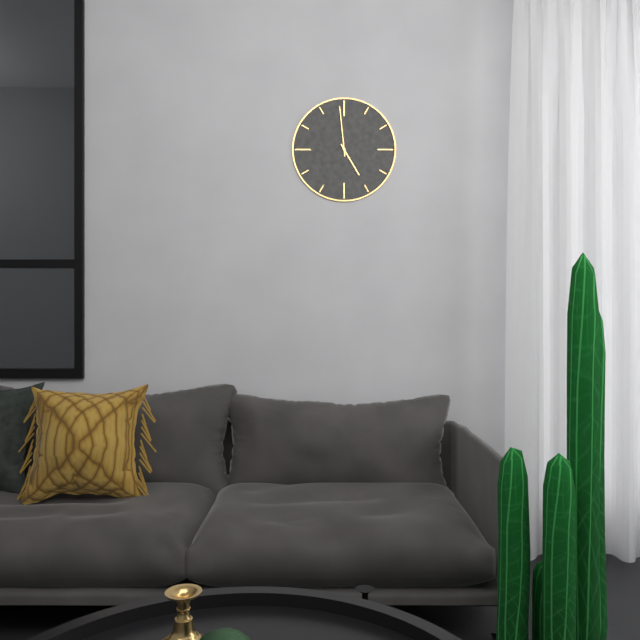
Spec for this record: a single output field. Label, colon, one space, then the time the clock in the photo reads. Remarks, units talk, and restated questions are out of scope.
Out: 4:59
